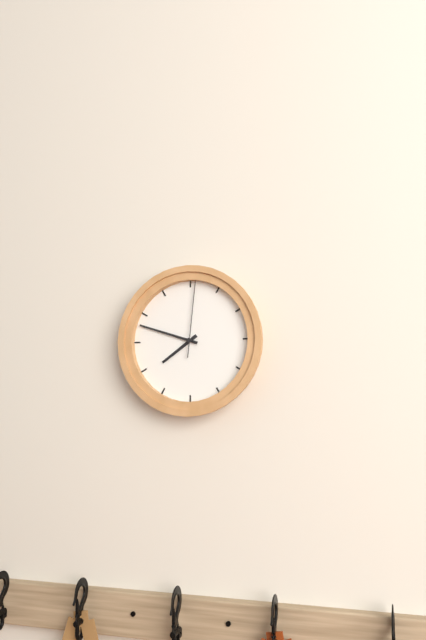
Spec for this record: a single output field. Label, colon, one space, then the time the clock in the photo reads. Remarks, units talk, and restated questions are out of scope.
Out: 7:48:01
